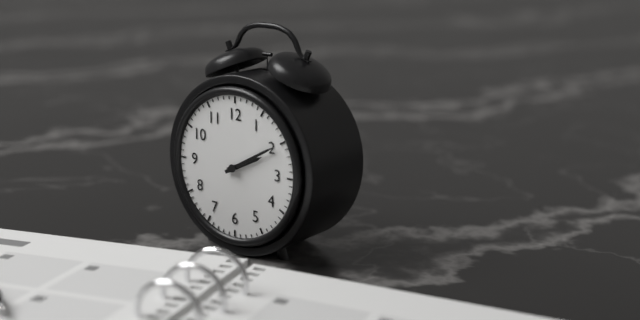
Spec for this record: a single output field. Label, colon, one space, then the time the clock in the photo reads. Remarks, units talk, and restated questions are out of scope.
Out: 2:10
